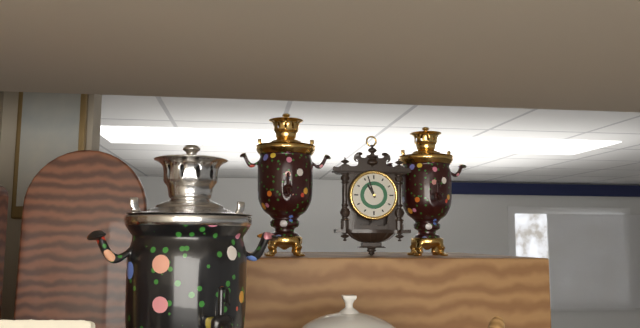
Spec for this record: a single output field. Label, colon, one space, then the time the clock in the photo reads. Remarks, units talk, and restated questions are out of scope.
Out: 10:57
